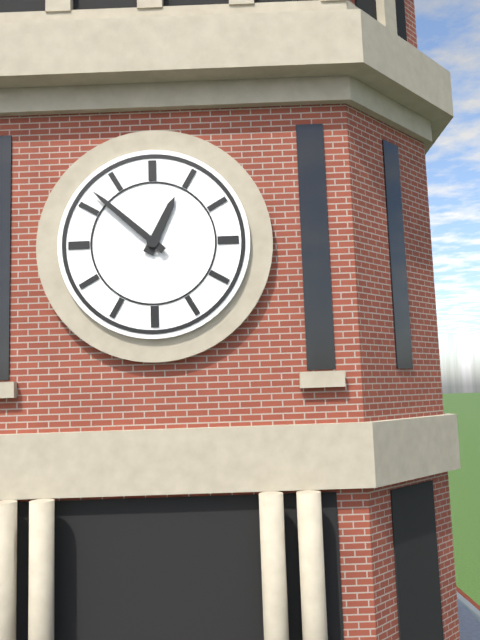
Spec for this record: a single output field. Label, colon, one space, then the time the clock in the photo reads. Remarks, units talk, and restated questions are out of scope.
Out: 12:52
